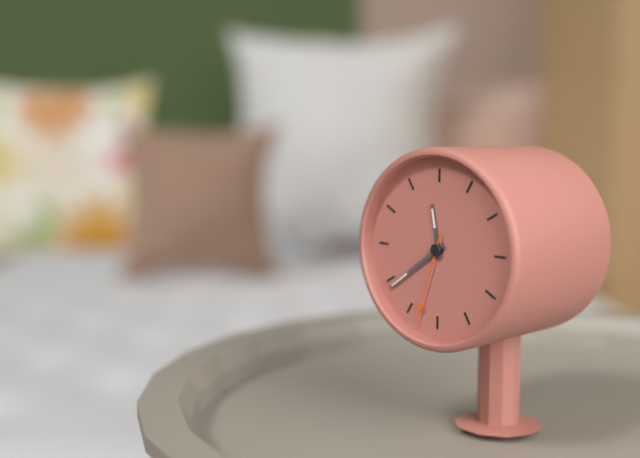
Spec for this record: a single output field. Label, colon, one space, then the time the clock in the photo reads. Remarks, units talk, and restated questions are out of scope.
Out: 11:39:33
